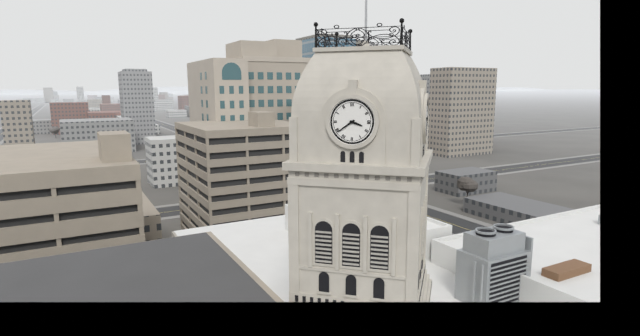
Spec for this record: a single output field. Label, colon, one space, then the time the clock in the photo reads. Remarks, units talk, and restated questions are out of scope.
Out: 3:39
